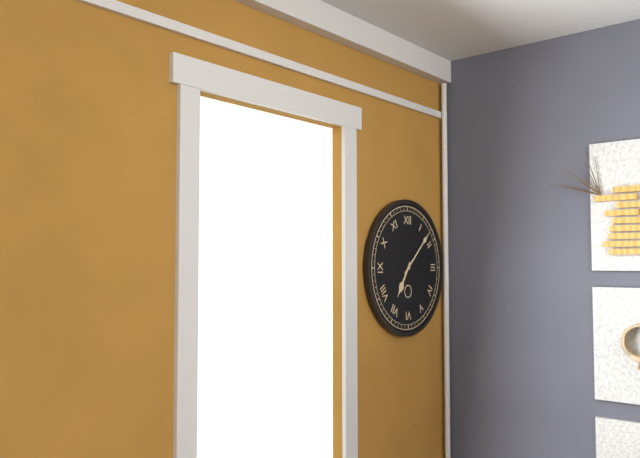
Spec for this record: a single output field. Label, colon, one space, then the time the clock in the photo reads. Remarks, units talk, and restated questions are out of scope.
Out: 7:08
